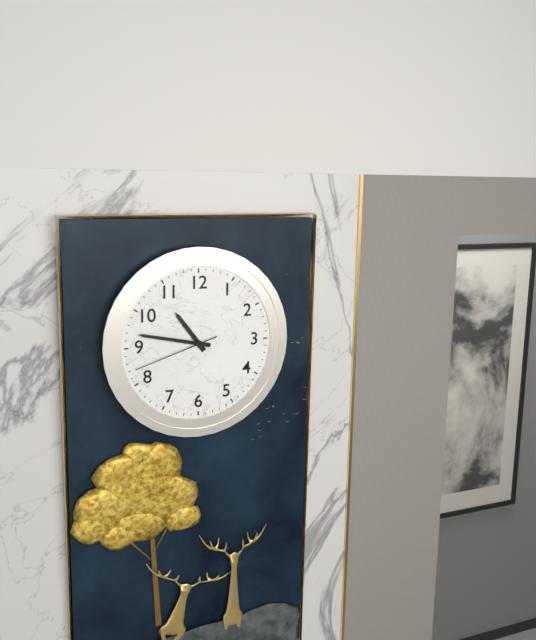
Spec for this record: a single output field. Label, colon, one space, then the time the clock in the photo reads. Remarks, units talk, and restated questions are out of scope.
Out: 10:47:42
